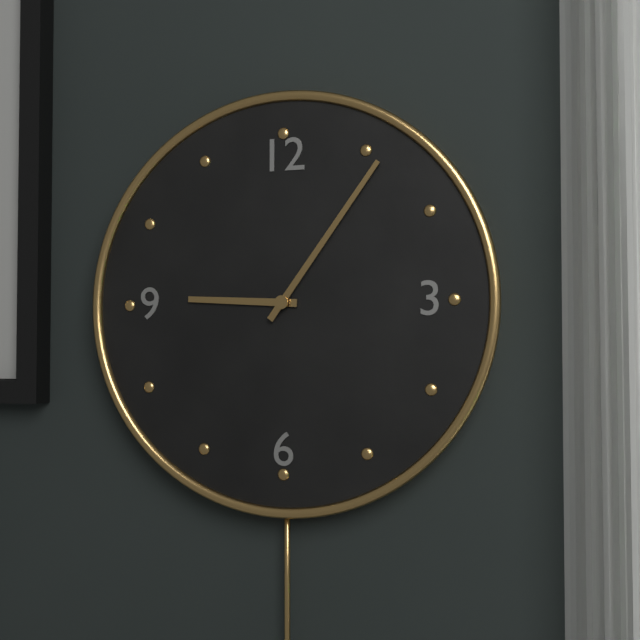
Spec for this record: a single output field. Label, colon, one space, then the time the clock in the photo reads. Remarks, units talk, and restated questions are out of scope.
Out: 9:06
